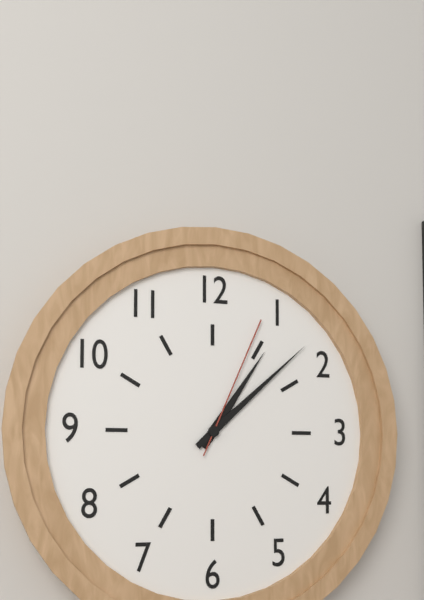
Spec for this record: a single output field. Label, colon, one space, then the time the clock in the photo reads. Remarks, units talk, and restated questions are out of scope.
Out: 1:08:04
